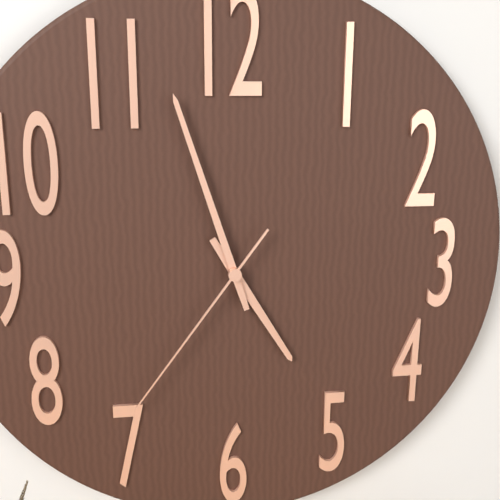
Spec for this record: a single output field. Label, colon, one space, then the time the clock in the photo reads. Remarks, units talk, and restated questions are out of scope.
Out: 4:57:36
